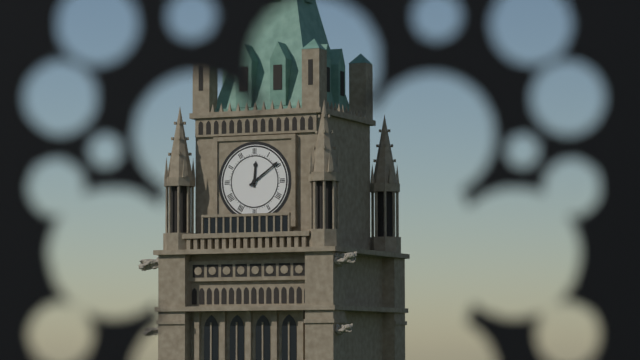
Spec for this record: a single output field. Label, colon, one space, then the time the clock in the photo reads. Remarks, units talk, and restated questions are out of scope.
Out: 12:09
